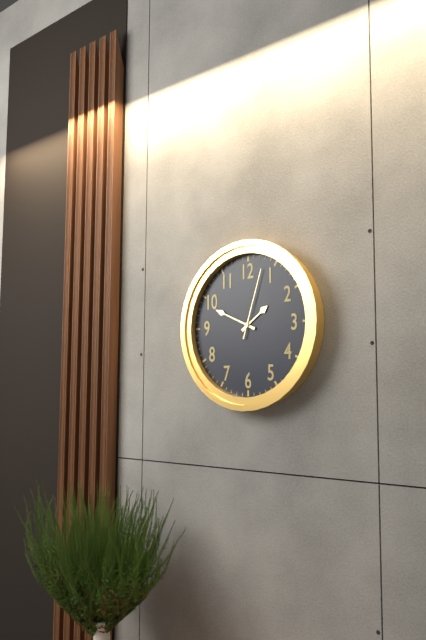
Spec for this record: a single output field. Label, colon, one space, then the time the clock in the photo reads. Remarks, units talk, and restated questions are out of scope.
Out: 1:49:03
